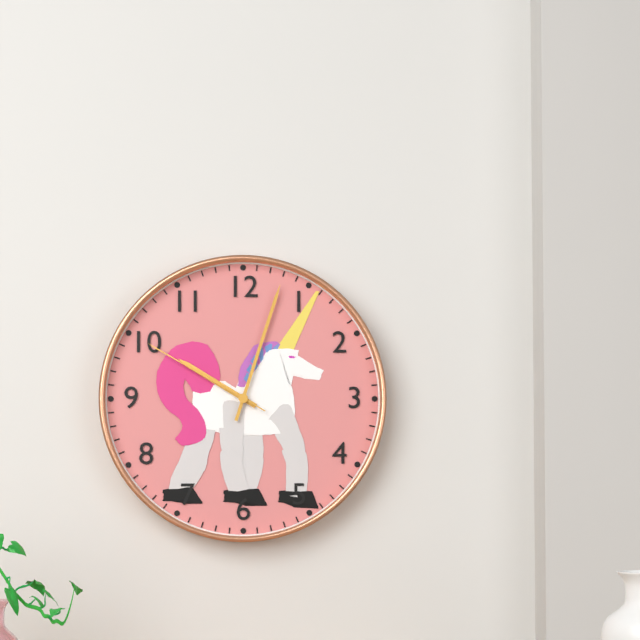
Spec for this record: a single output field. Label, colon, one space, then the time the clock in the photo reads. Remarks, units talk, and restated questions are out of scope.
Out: 10:03:50
